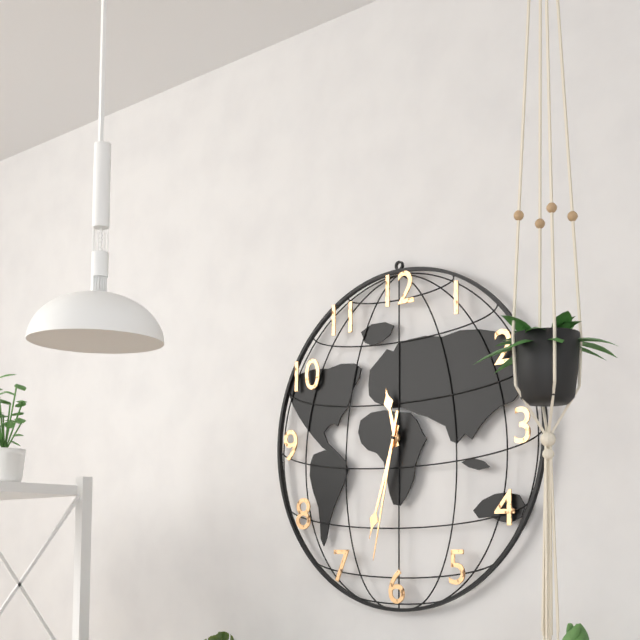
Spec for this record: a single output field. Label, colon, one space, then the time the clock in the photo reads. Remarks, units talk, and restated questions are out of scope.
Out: 11:33:32
